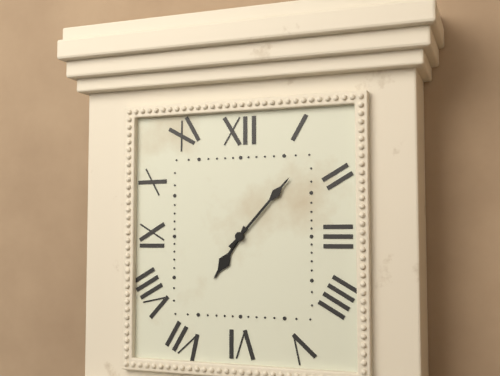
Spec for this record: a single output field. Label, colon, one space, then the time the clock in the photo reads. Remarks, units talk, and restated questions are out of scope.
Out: 7:07
